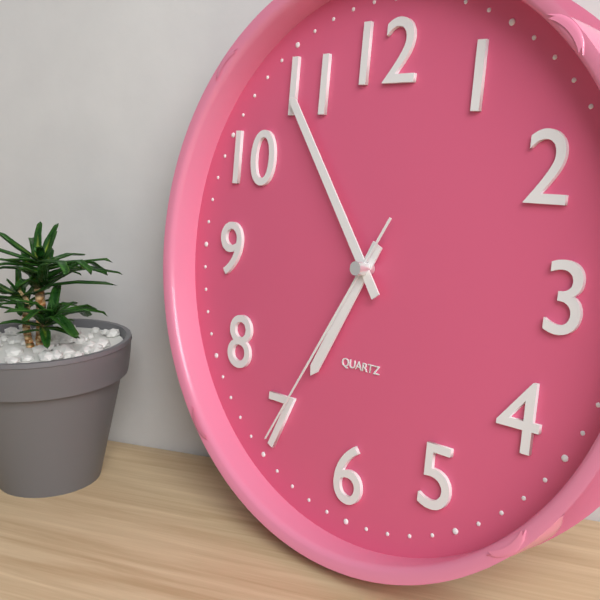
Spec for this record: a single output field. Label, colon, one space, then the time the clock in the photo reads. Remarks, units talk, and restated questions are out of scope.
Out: 6:54:35
